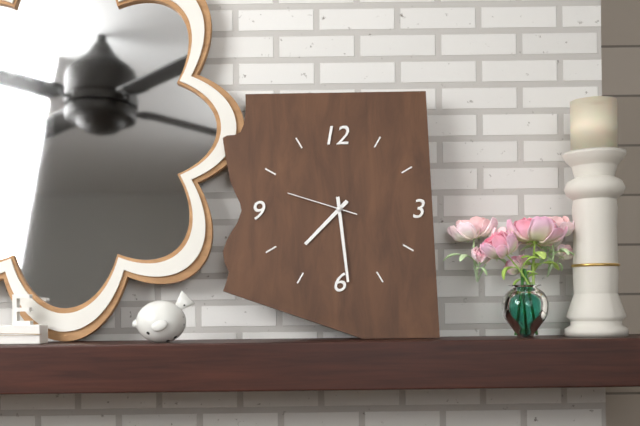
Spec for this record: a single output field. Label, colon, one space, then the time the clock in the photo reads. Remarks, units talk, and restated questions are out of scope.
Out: 7:29:48
